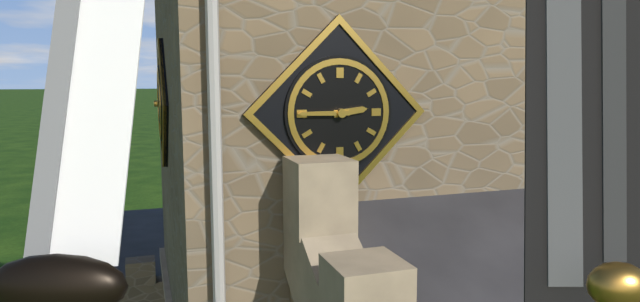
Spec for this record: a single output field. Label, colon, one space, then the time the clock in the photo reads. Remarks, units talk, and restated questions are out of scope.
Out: 2:45
